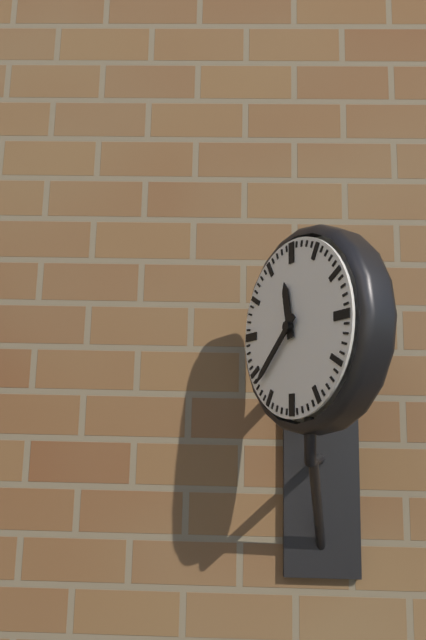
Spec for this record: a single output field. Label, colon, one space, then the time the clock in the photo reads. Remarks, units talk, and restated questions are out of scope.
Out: 11:38
